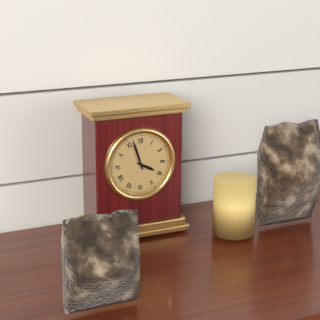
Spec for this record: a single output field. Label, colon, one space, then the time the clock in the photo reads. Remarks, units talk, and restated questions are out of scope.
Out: 3:57
